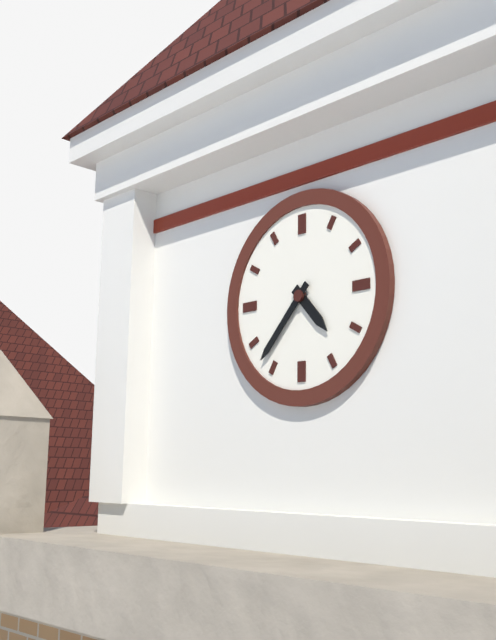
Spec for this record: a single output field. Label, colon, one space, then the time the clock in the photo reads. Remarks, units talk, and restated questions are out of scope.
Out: 4:37
